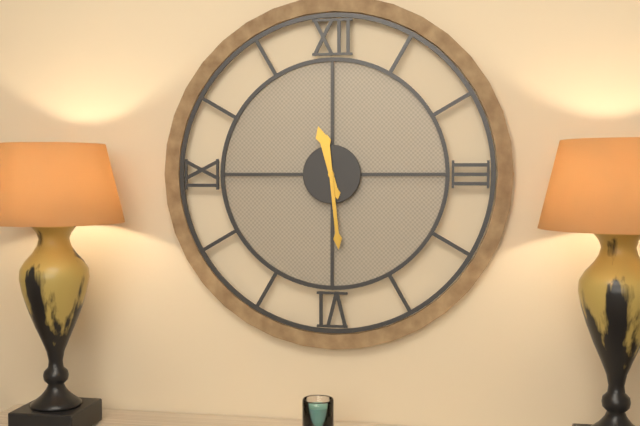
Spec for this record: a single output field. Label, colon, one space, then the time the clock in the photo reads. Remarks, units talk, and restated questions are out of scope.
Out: 11:29
